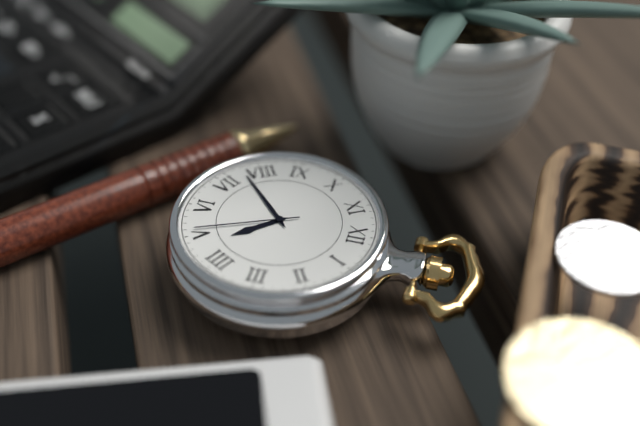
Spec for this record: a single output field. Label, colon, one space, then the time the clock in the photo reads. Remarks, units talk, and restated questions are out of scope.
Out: 4:38:26
